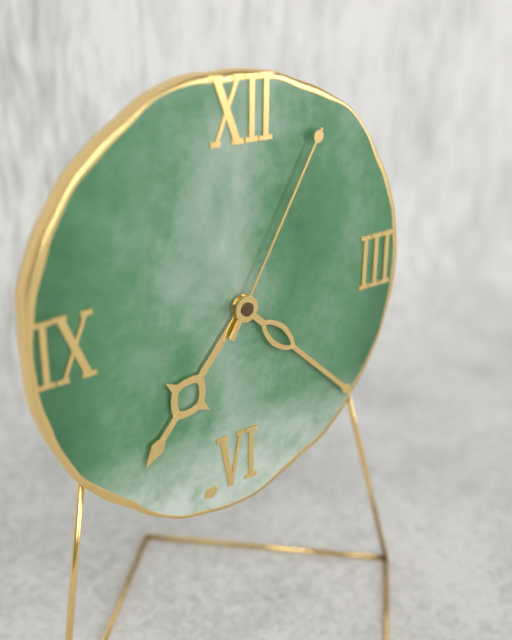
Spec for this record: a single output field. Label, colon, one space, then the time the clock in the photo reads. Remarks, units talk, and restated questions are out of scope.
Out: 7:22:05
